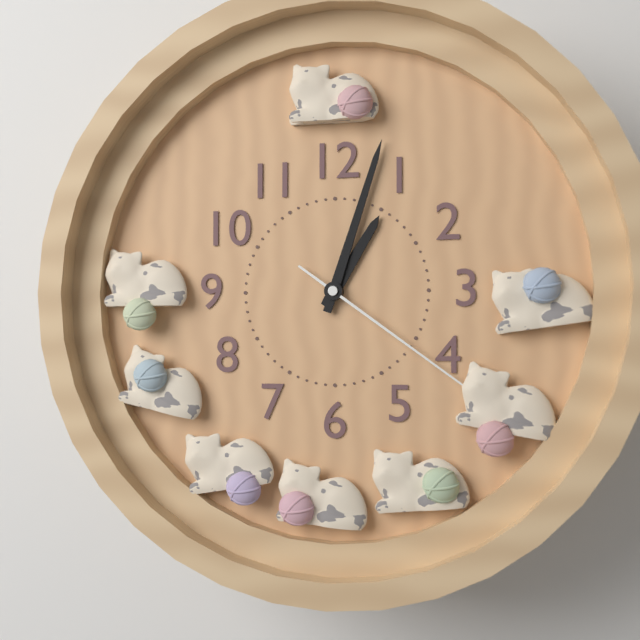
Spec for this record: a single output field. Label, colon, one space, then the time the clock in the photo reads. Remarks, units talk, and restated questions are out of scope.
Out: 1:03:21
